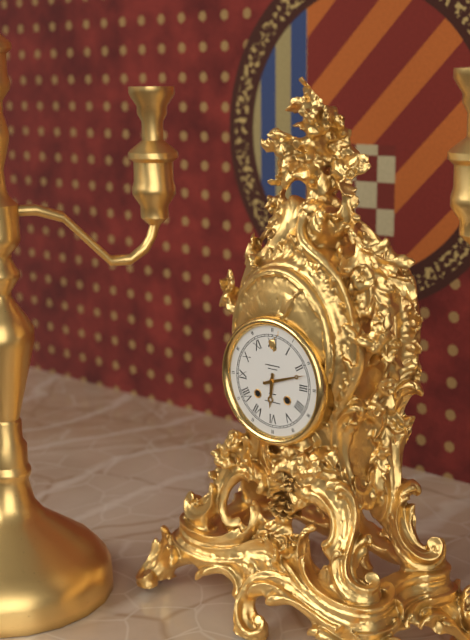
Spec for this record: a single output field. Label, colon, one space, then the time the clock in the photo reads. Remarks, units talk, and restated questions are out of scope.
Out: 6:12
